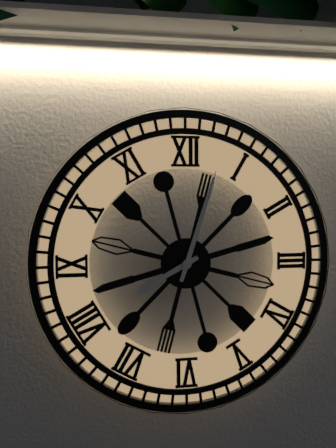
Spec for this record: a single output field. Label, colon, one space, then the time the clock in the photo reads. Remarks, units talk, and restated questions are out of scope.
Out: 8:03
